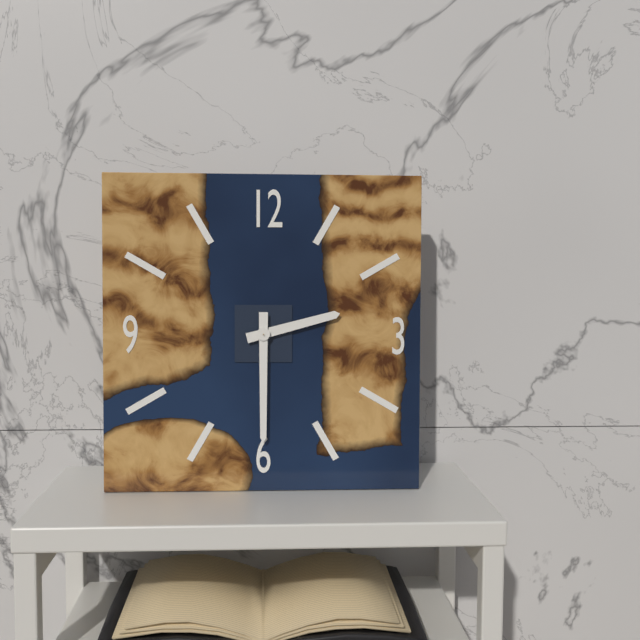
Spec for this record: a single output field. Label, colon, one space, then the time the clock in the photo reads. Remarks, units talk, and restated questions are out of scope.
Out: 2:30
